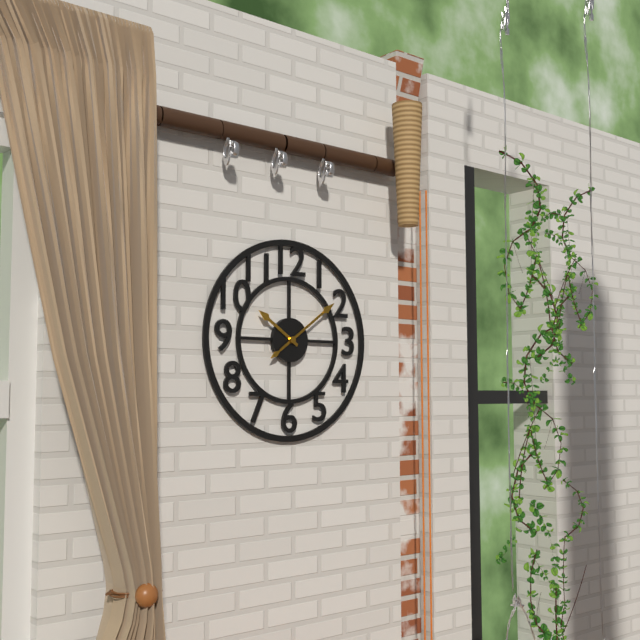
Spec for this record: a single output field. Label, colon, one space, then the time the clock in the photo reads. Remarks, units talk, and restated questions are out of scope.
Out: 10:09
